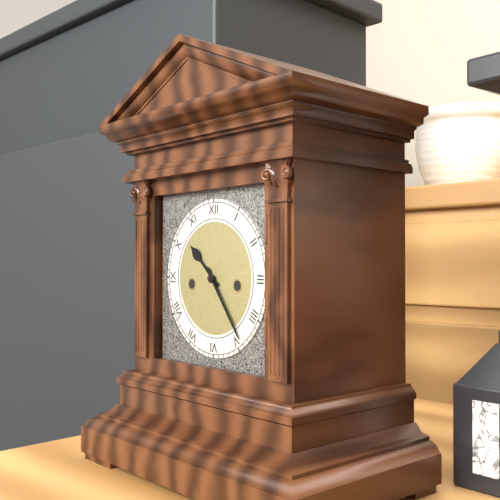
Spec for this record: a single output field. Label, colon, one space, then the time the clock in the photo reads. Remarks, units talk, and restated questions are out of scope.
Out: 10:24
